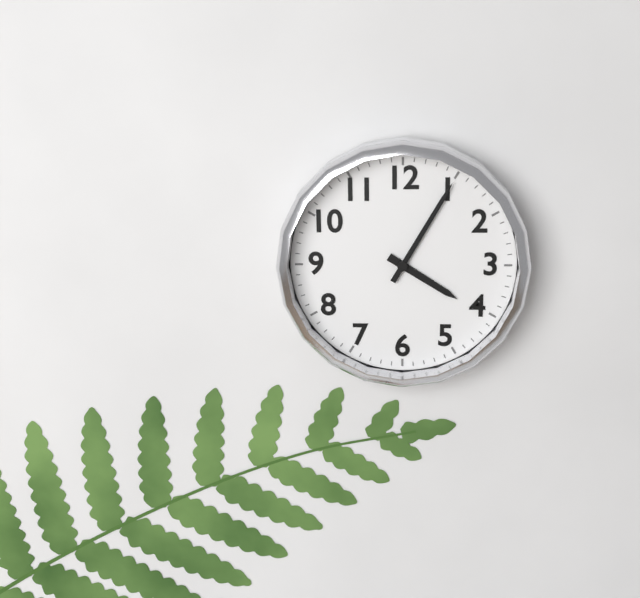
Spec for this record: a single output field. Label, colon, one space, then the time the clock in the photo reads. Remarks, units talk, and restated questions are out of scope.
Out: 4:05
